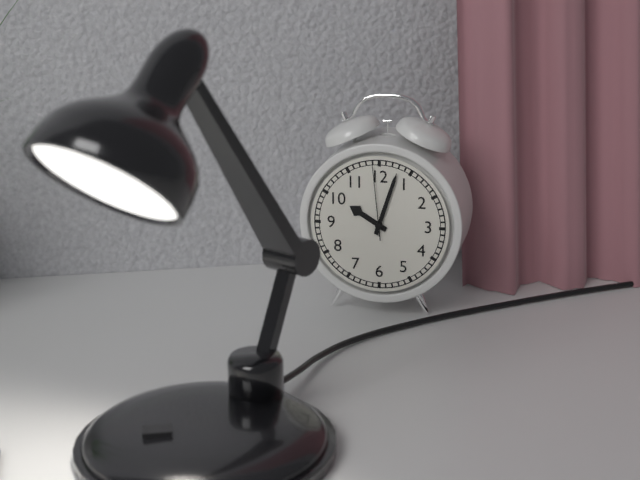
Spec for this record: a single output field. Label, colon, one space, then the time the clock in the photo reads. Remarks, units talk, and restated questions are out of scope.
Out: 10:03:59
